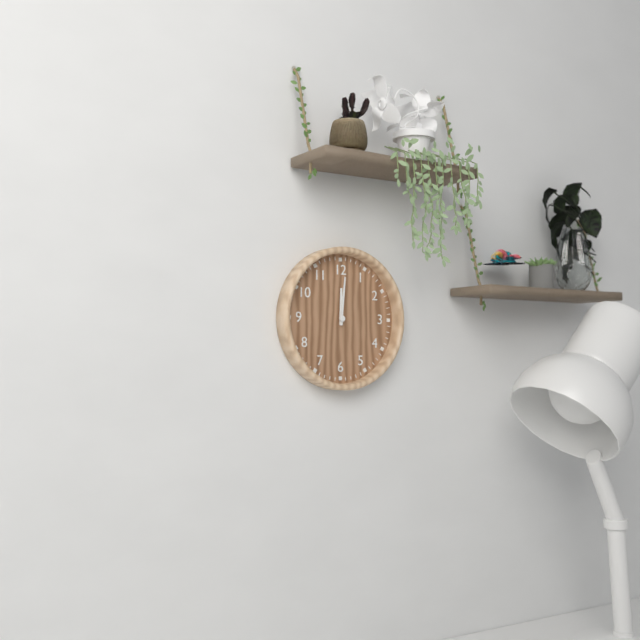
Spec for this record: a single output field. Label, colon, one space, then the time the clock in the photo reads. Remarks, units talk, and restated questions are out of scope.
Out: 12:01
